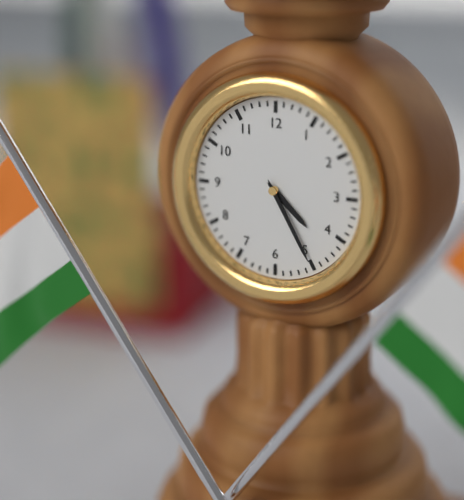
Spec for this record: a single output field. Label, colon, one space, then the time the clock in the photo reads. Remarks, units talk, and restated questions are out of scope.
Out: 4:25
